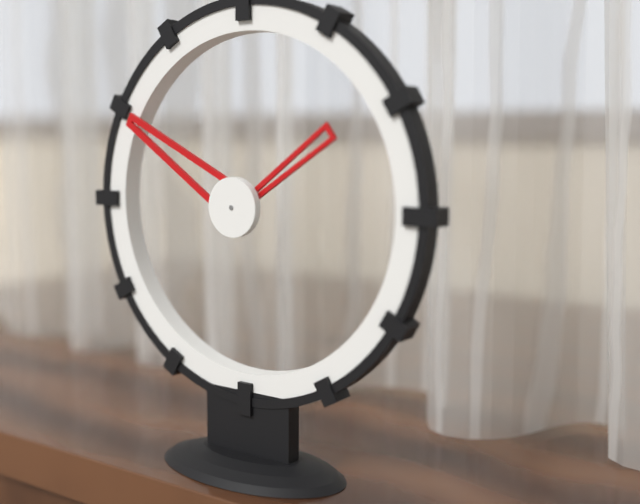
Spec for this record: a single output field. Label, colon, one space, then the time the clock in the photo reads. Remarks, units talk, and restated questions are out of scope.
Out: 1:50
